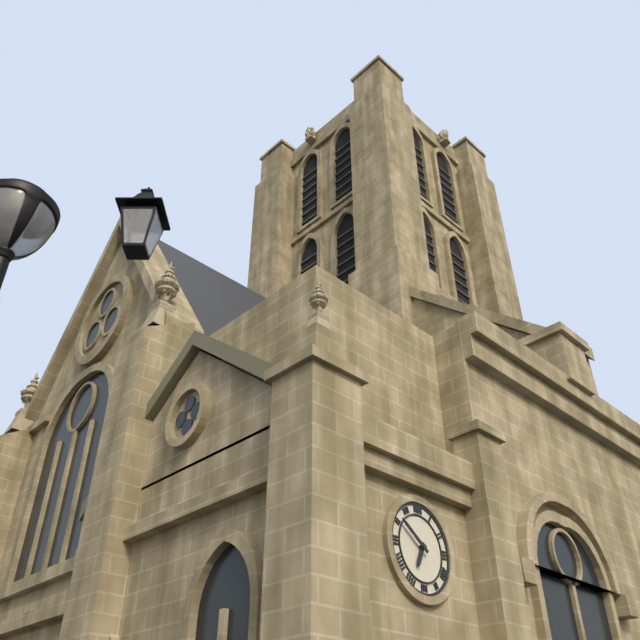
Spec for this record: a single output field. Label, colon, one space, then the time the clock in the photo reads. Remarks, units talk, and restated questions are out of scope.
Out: 6:51
